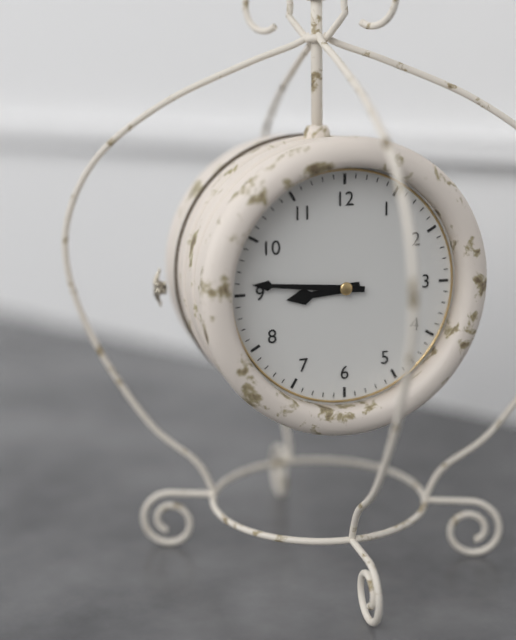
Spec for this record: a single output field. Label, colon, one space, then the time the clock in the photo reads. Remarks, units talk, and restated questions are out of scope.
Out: 8:46
